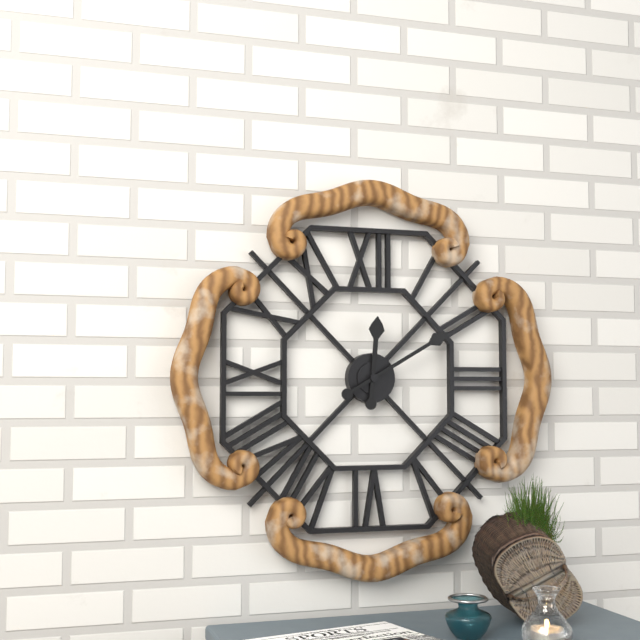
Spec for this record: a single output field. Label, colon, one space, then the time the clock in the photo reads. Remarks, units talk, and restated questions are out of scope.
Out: 12:10
